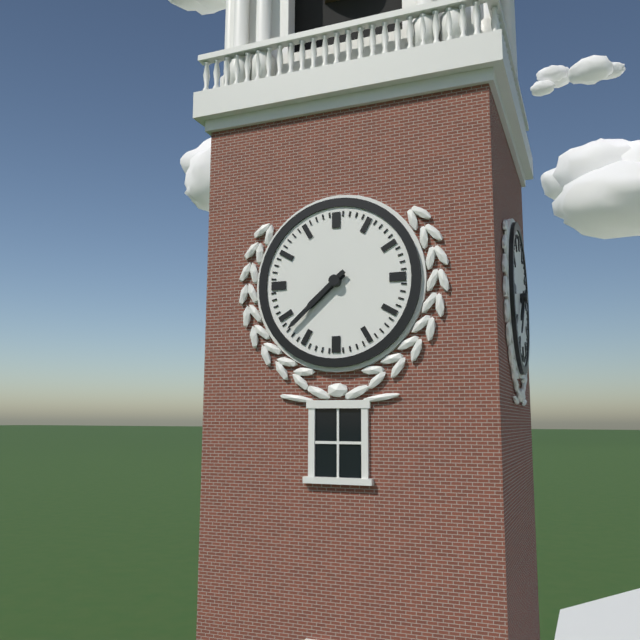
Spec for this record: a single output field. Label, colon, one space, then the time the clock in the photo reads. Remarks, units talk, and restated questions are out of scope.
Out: 7:38
